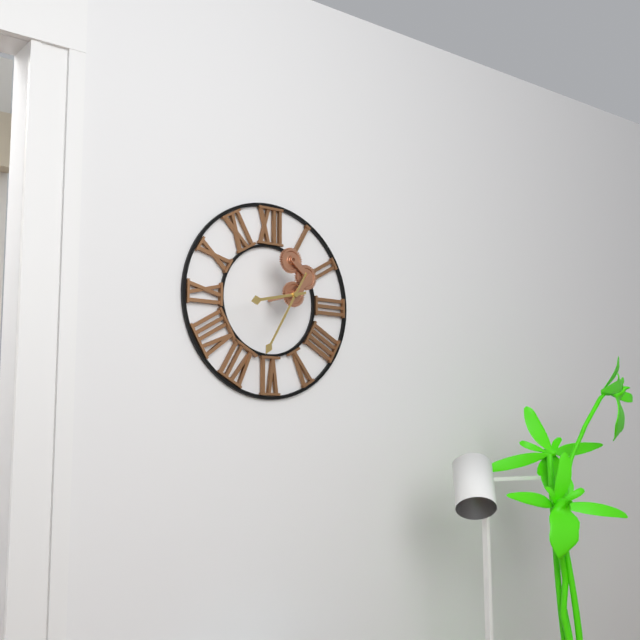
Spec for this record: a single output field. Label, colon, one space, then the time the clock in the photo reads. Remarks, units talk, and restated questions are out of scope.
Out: 8:35
